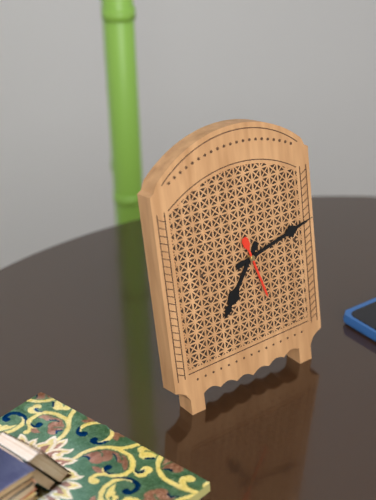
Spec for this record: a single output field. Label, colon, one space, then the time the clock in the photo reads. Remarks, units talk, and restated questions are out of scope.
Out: 7:13:27
